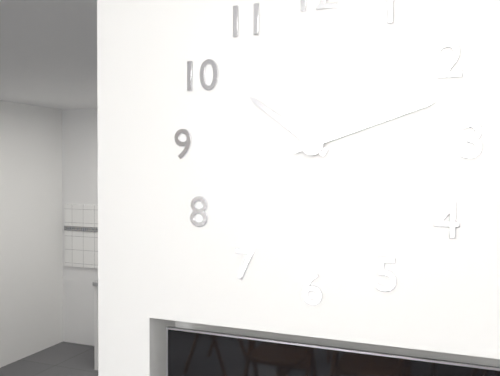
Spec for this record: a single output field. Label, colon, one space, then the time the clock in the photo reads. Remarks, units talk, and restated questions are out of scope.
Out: 10:12
